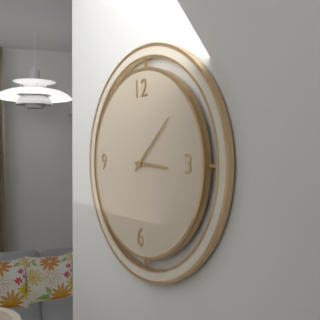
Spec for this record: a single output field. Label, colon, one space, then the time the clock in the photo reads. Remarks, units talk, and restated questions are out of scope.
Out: 3:08
